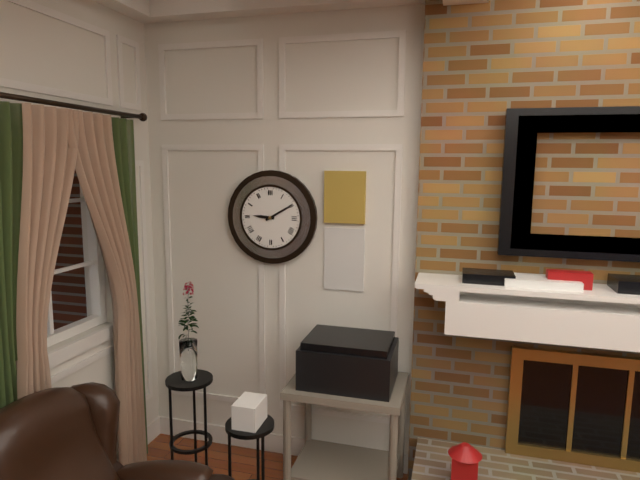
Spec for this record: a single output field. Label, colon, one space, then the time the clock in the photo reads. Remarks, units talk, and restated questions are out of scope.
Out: 9:10
